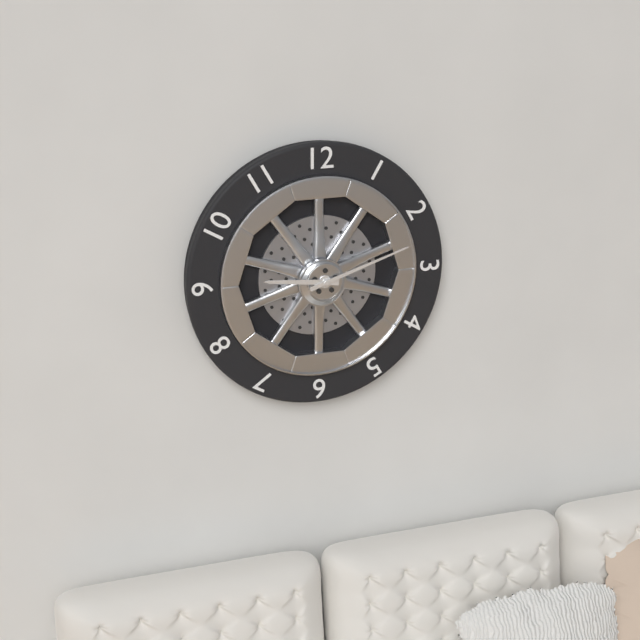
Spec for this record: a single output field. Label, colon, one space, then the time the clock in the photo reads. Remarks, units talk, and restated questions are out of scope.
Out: 9:12
